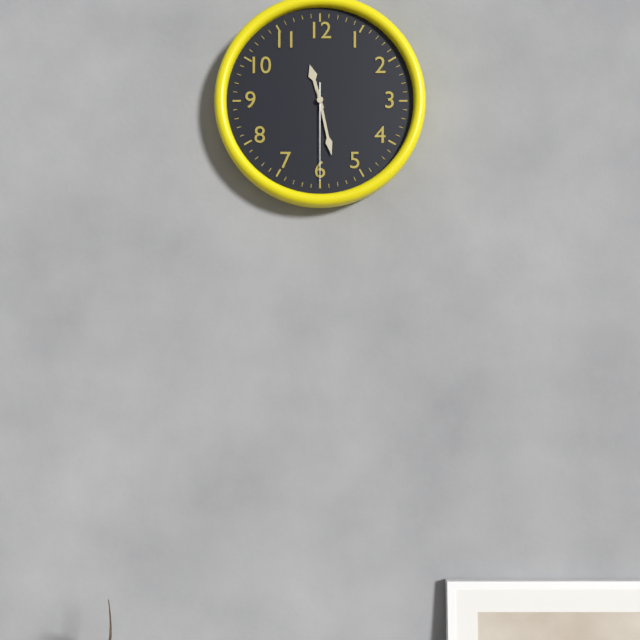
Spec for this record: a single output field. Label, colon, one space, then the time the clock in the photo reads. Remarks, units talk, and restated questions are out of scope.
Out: 11:28:30
